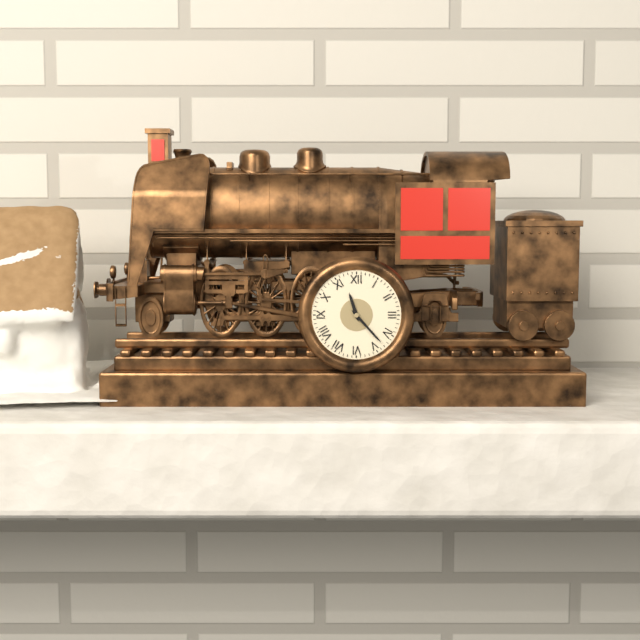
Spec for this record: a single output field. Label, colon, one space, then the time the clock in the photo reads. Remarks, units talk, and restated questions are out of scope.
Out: 11:23
